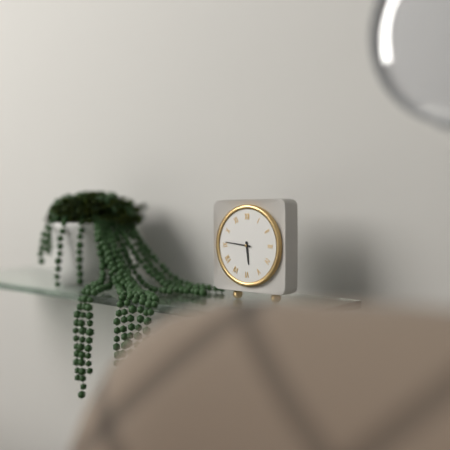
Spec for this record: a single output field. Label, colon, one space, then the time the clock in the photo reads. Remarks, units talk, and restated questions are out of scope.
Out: 5:46
